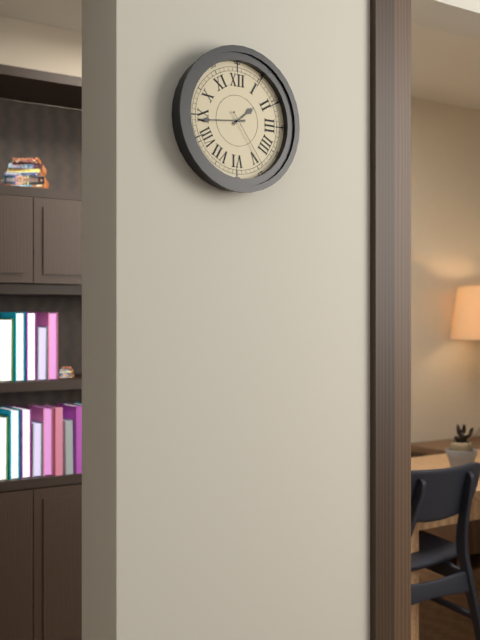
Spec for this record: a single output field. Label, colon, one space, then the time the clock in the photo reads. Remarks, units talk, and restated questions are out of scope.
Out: 1:44:24
